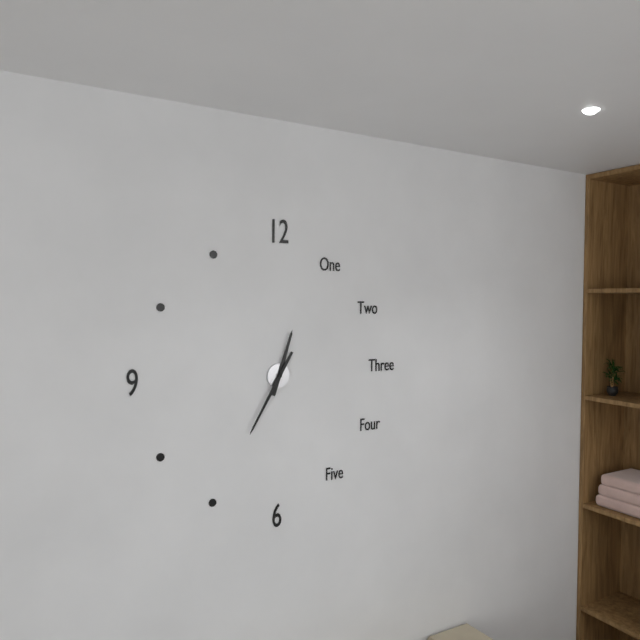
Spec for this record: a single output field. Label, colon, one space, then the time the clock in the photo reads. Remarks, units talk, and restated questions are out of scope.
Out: 12:35
